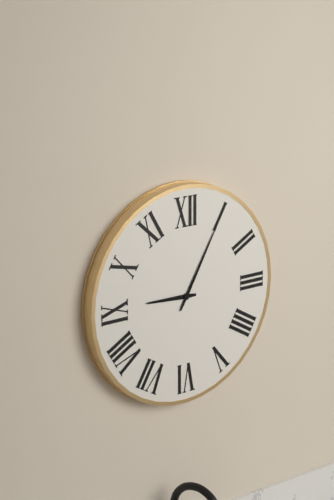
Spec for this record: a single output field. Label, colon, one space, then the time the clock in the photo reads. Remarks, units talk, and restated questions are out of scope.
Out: 9:05
